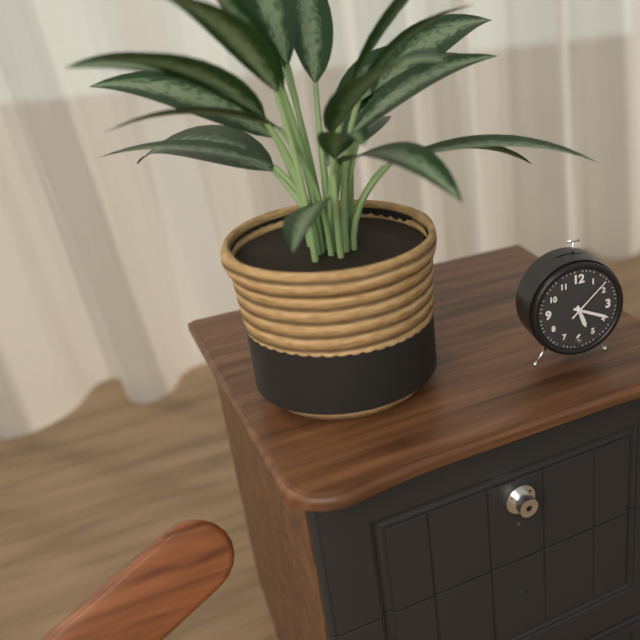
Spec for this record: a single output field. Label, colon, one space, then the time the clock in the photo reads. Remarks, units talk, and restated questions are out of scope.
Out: 5:19
